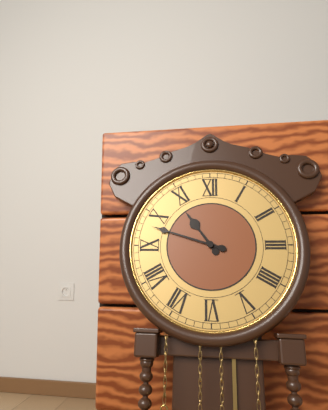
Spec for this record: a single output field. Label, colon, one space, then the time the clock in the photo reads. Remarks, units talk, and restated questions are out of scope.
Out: 10:48
